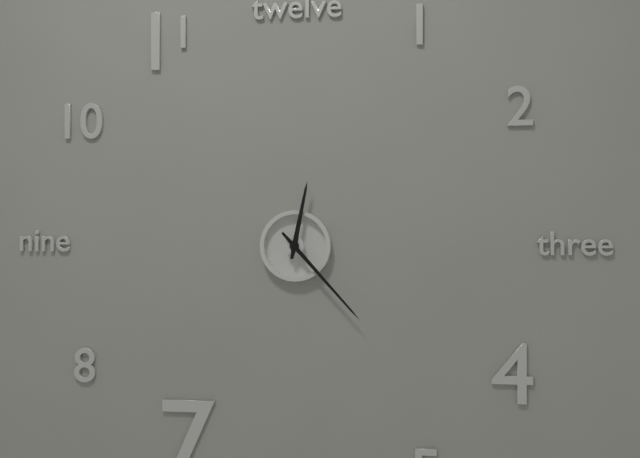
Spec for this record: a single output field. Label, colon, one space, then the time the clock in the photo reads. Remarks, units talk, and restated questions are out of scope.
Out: 12:23
